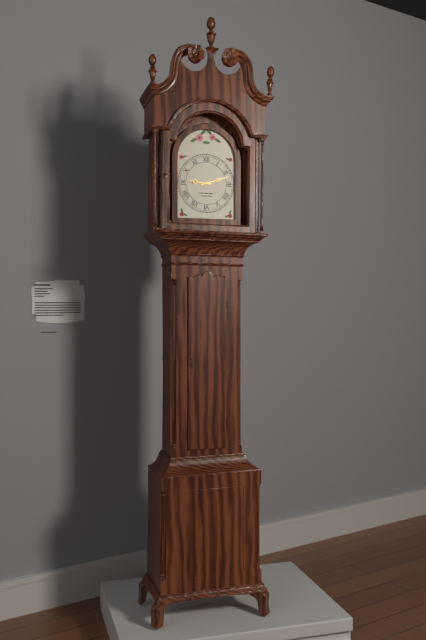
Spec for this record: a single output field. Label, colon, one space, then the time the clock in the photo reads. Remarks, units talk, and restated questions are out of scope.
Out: 9:12
